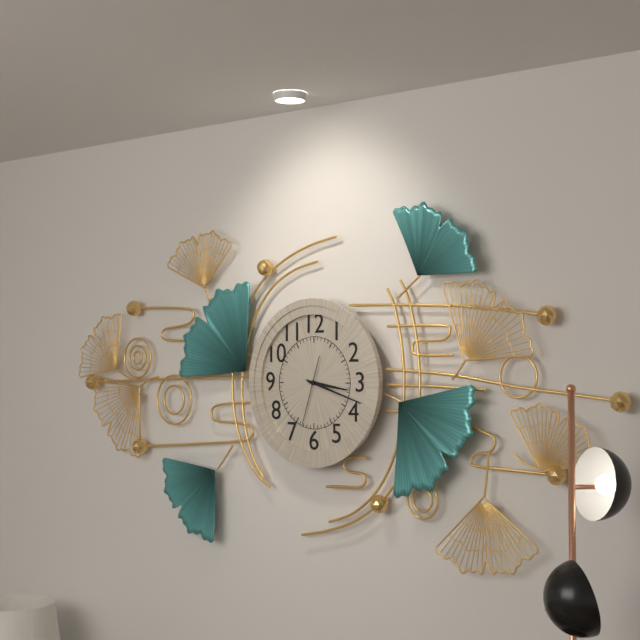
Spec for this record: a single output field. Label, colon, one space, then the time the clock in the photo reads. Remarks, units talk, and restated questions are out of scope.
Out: 3:18:33
